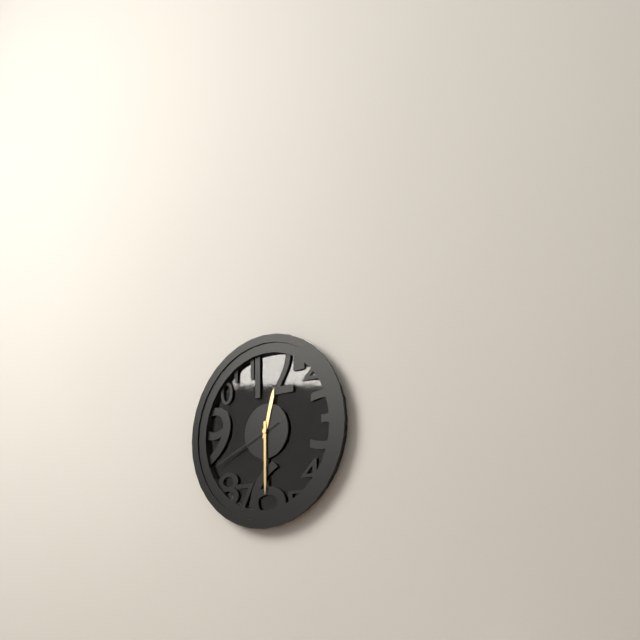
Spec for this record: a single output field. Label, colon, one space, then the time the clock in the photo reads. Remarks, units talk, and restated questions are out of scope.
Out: 12:30:41
